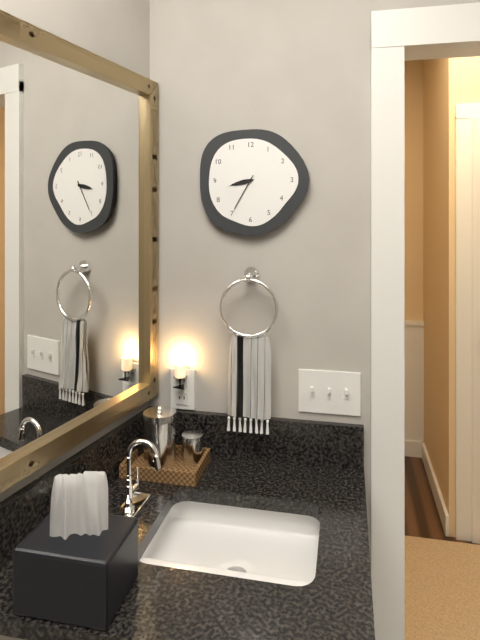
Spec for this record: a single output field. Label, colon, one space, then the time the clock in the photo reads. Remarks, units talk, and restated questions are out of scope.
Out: 8:35
